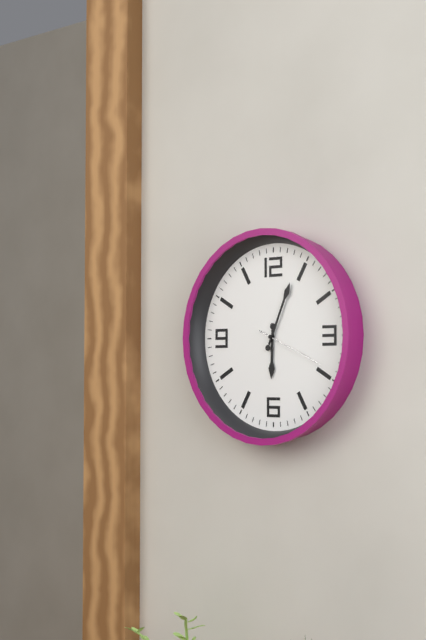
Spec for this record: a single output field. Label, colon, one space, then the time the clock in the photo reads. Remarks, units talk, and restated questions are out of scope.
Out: 6:04:19
